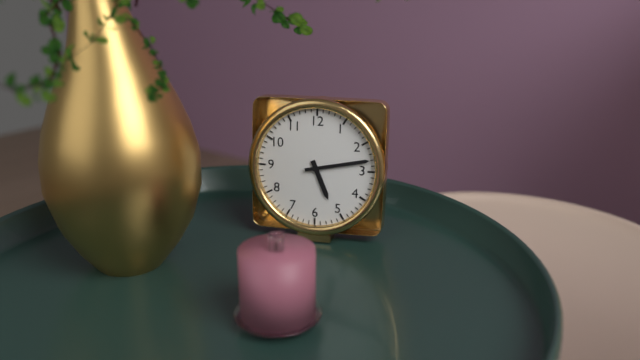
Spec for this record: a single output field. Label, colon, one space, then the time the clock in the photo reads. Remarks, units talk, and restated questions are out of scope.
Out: 5:13
